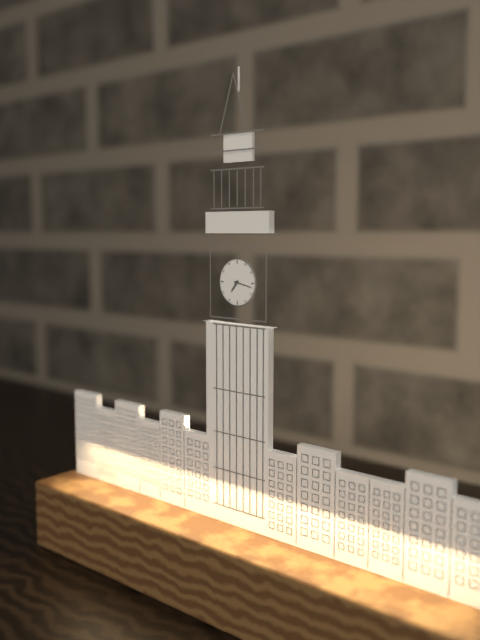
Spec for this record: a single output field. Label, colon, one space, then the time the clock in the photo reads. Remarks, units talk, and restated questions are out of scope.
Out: 7:17
